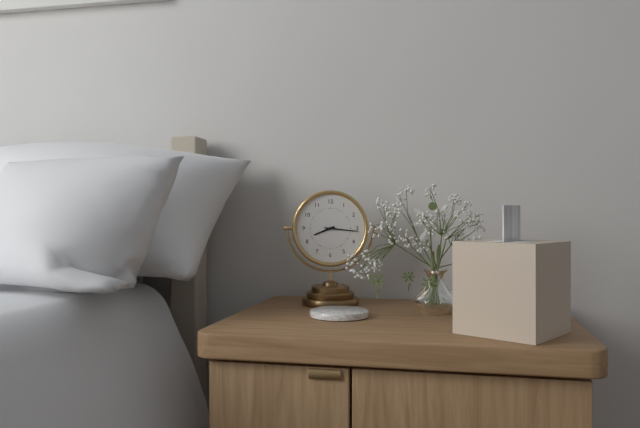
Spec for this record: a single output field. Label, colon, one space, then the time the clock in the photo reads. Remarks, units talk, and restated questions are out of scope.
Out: 8:16
